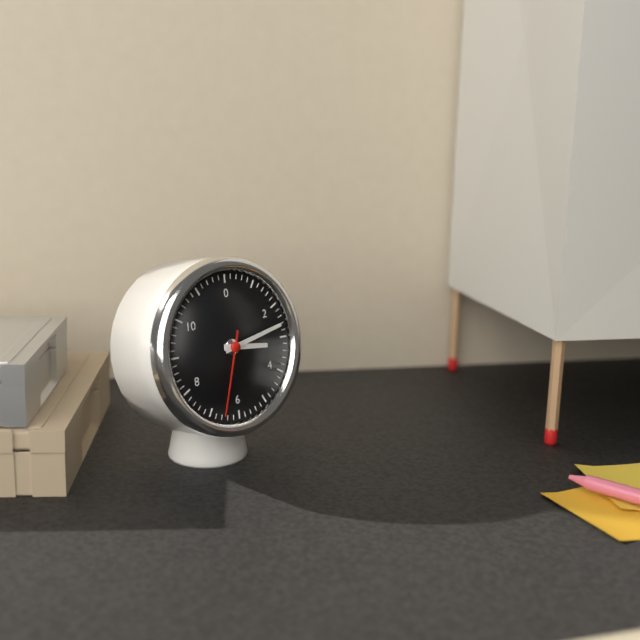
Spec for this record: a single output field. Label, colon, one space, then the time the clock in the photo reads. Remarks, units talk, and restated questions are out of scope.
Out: 3:13:33
